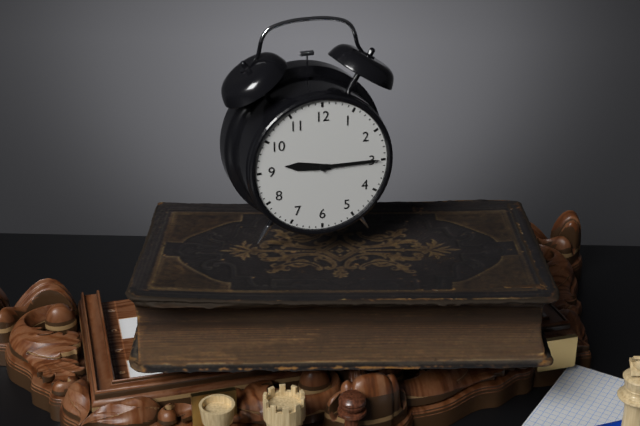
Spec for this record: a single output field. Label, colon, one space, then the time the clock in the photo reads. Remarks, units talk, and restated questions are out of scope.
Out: 9:15
